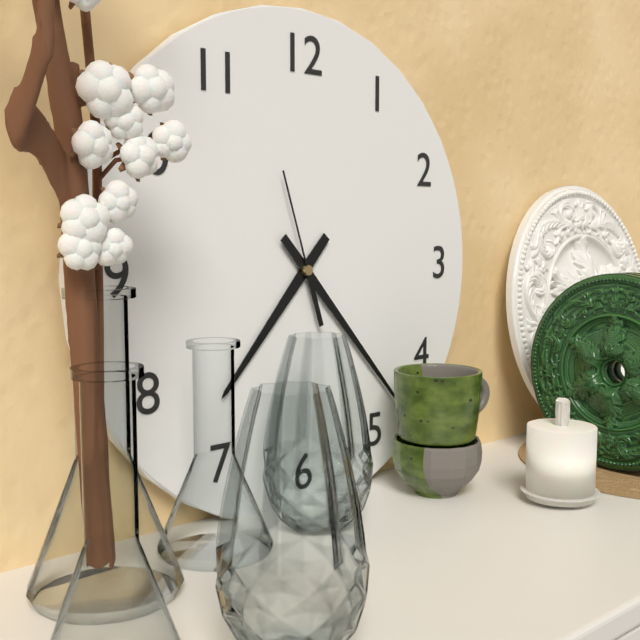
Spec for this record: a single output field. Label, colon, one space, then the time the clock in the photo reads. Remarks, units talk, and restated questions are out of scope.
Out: 7:23:57
